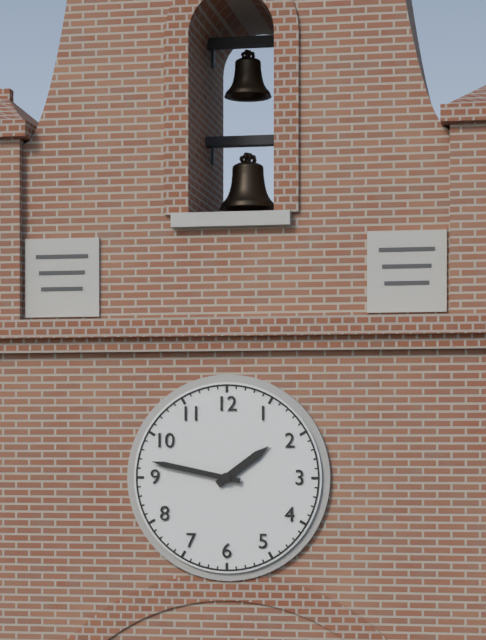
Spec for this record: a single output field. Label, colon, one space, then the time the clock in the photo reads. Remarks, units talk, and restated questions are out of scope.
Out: 1:47
